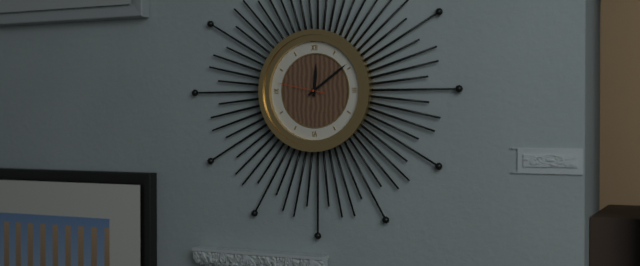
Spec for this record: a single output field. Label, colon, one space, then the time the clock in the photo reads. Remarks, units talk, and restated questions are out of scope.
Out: 12:09:47
